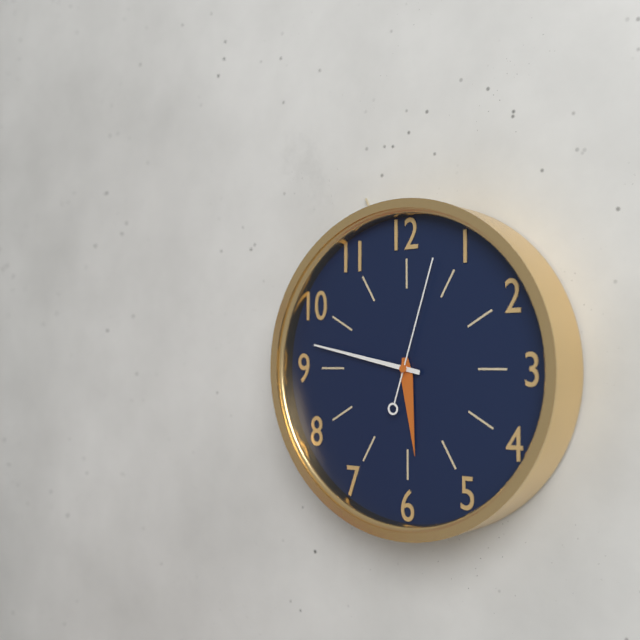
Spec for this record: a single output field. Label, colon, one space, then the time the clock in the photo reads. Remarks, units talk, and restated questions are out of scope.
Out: 5:47:03
